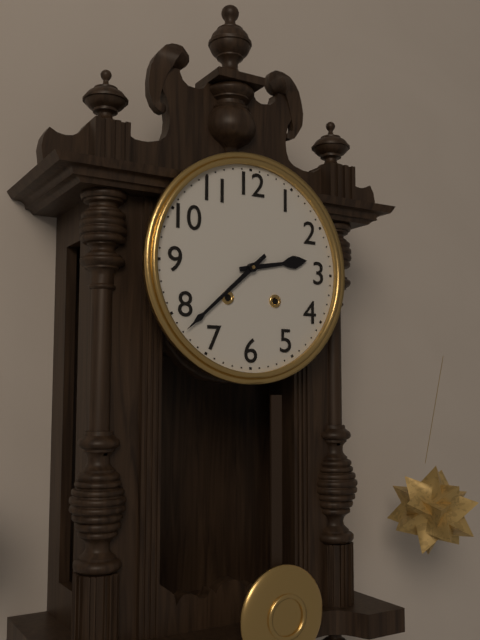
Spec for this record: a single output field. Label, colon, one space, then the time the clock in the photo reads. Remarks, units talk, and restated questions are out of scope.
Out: 2:38
